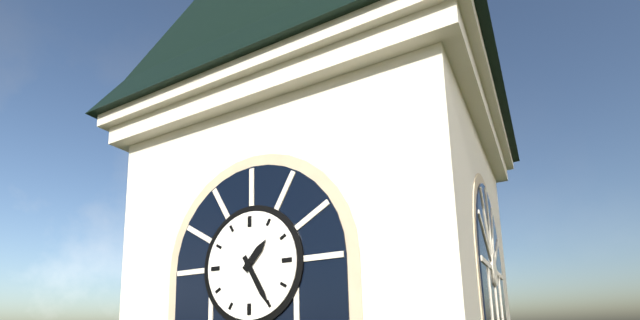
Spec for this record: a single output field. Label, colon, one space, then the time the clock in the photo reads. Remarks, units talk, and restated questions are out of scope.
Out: 1:25
